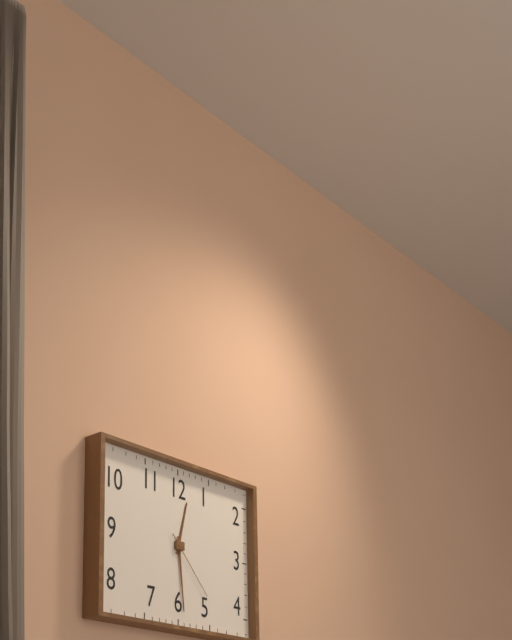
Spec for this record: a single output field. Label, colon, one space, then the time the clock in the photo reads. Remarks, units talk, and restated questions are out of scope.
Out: 12:29:23
